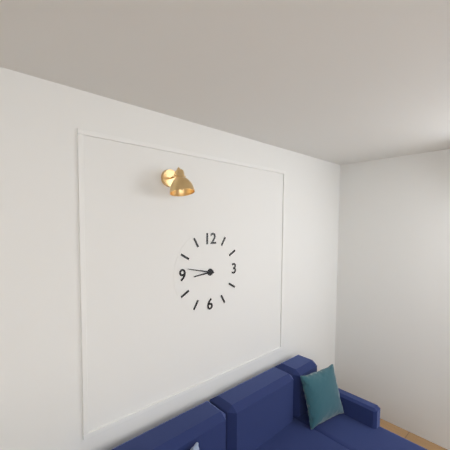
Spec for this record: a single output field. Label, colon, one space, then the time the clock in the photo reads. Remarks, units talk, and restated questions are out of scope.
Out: 8:47
